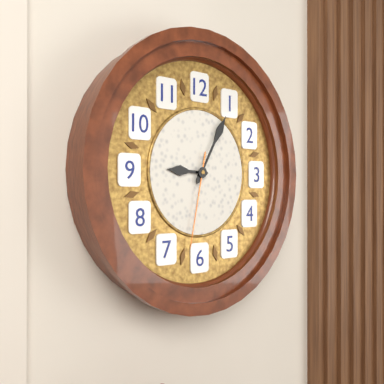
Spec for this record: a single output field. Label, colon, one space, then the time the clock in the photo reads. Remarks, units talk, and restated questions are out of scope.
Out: 9:05:32
